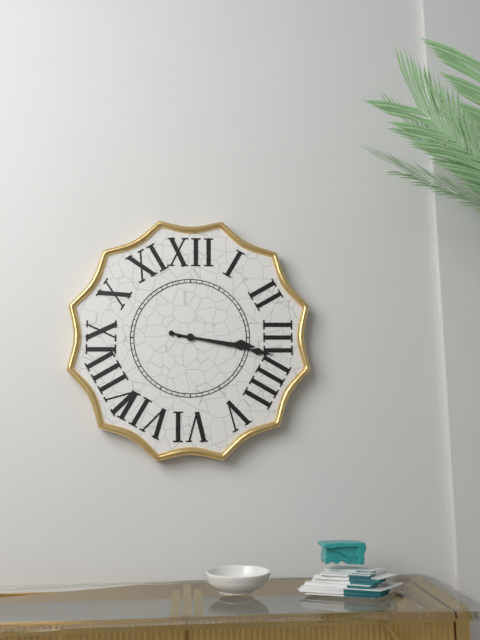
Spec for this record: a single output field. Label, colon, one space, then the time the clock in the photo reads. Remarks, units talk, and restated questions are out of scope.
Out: 3:17
